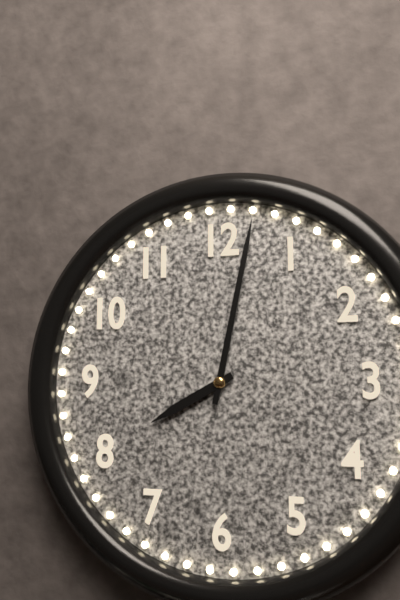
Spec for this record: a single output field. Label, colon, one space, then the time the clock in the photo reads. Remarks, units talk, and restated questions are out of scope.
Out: 8:02
